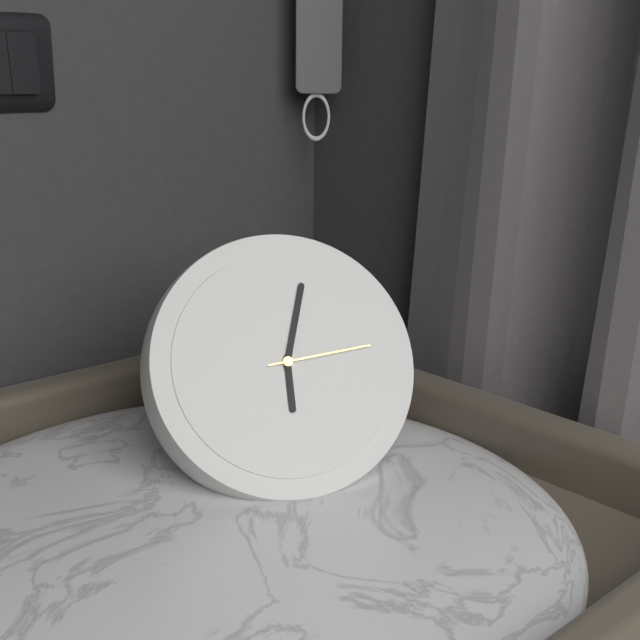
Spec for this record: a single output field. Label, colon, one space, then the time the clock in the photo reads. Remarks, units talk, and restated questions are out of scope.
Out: 6:03:14
